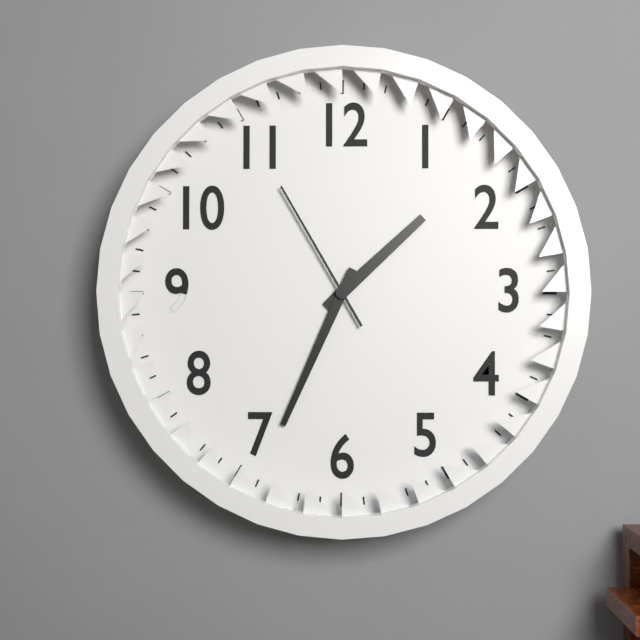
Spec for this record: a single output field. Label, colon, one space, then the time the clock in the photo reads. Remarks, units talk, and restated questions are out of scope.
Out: 1:34:55
